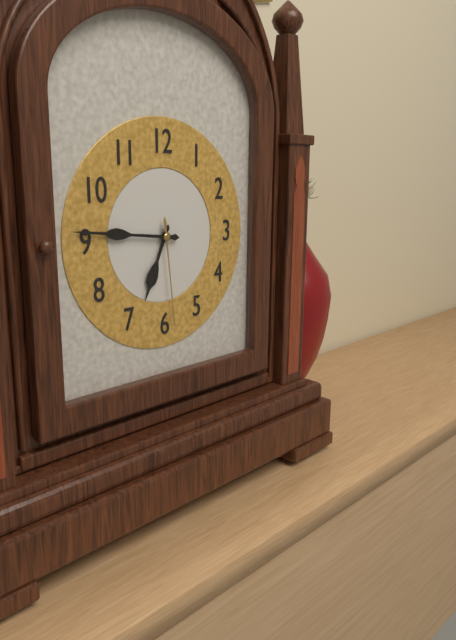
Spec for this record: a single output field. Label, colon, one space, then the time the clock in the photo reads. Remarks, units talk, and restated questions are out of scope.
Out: 6:46:29
